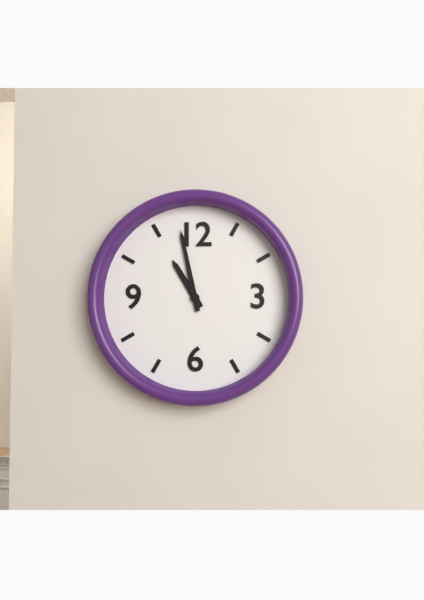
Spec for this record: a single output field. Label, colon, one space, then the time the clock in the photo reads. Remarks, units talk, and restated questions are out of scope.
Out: 10:58
